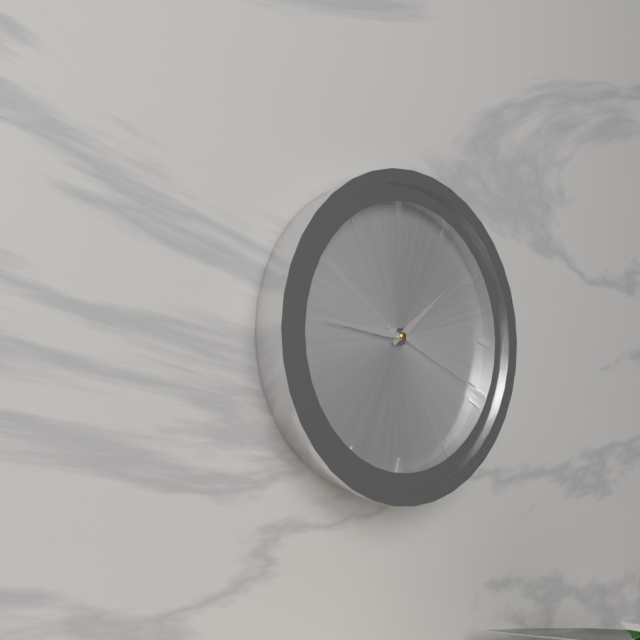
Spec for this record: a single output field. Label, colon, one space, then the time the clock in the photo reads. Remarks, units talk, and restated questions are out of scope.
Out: 1:46:19
